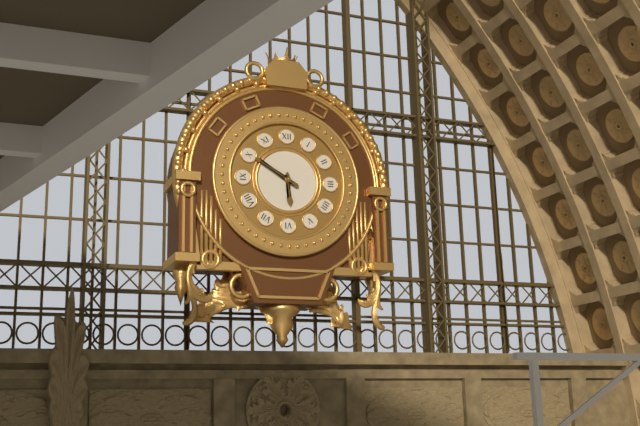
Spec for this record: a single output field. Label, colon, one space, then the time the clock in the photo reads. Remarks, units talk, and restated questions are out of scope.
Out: 5:50
